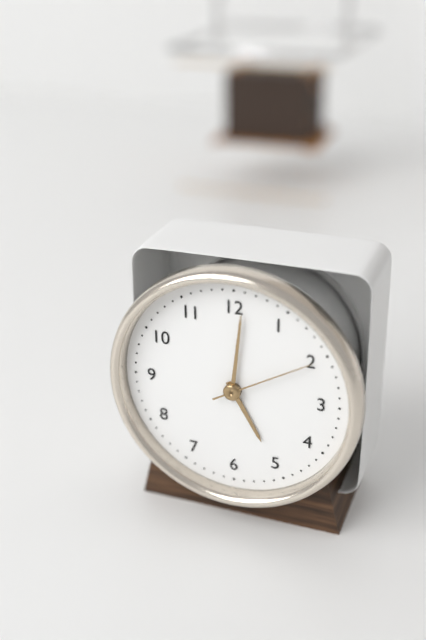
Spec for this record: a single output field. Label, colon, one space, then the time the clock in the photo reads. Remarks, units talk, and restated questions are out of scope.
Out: 5:01:10
